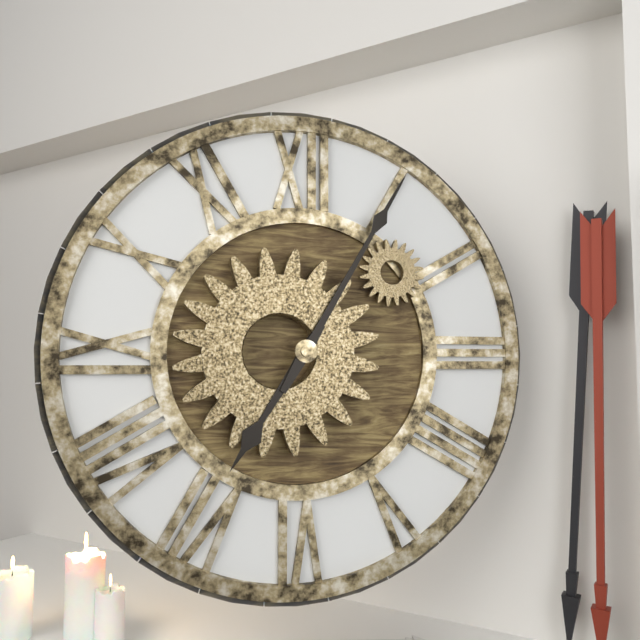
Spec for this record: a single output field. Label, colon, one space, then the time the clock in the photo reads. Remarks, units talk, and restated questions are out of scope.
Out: 7:05
